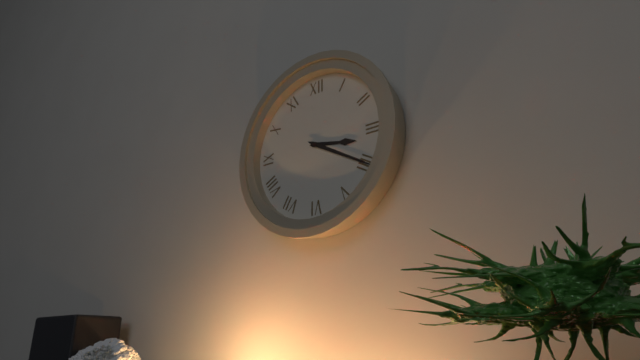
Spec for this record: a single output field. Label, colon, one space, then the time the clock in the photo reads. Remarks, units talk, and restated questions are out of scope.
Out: 3:20
